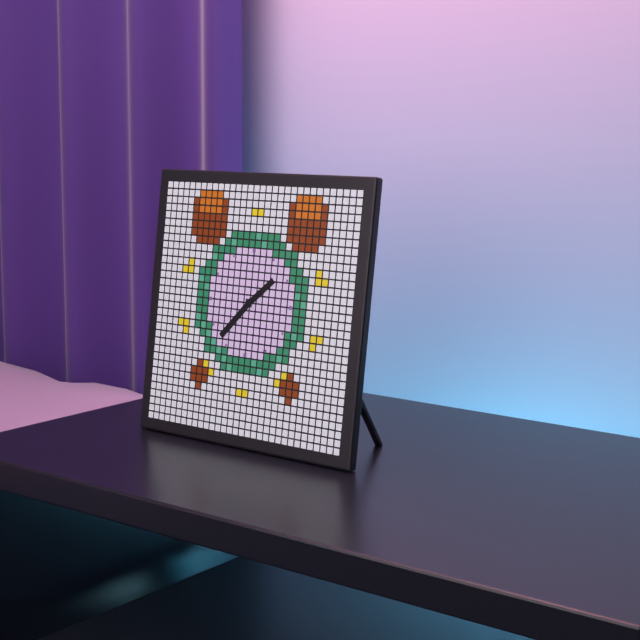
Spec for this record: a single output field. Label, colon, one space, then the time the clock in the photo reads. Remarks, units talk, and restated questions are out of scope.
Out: 1:37
